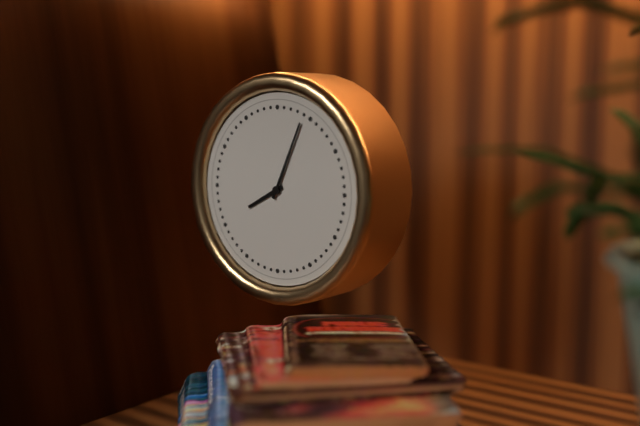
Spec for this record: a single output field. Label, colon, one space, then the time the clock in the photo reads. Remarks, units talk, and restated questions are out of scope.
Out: 8:04
